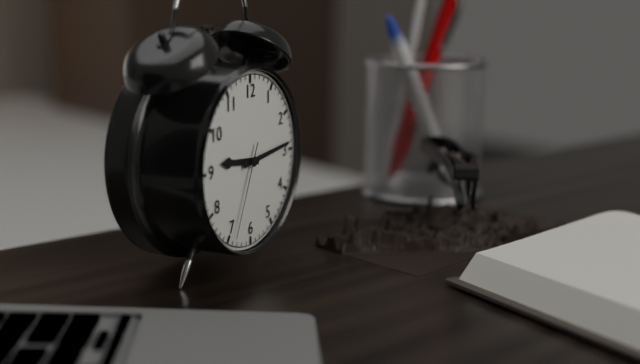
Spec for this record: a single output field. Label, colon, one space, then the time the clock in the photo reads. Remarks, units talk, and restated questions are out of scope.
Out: 9:14:34
